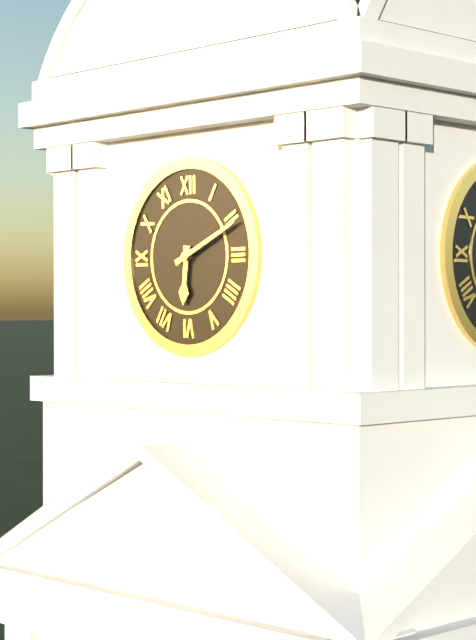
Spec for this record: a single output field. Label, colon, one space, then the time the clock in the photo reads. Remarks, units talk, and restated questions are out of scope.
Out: 6:11
